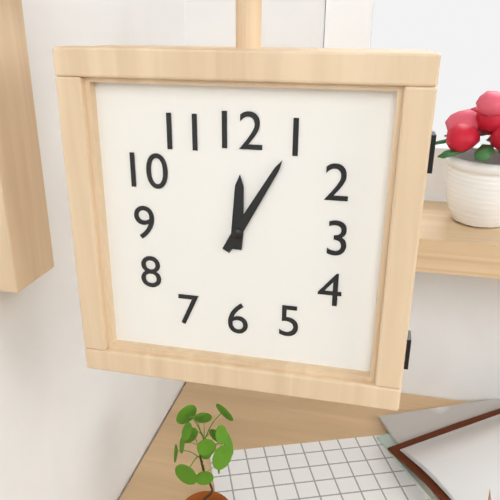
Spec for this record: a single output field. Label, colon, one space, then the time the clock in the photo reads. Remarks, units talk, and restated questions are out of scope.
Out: 12:05
